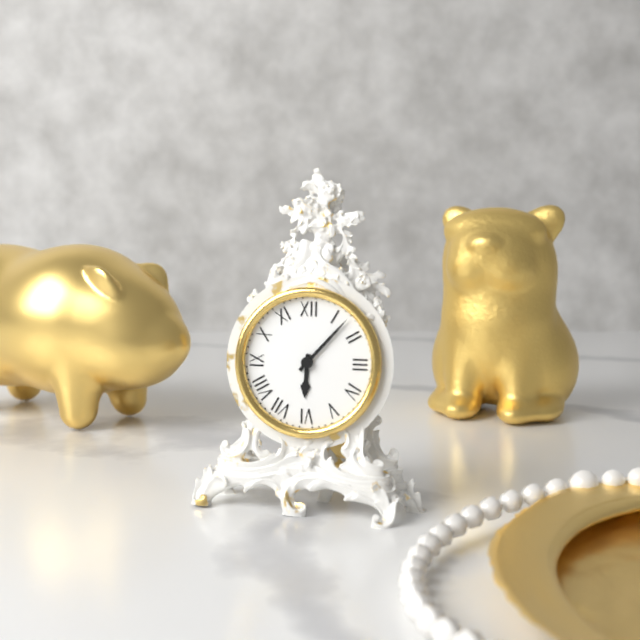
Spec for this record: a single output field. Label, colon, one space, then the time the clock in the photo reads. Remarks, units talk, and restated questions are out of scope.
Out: 6:07
